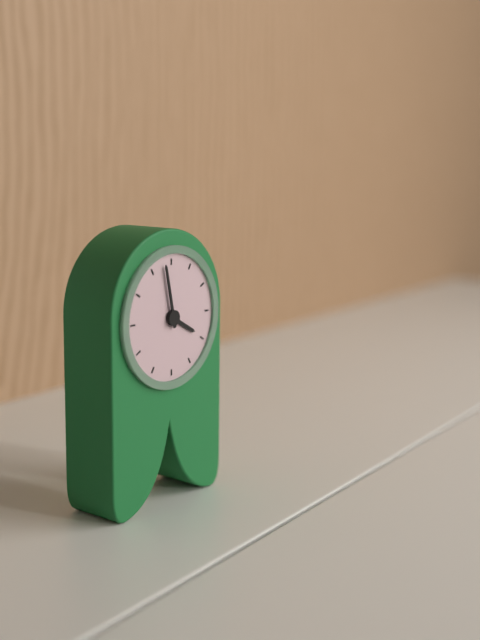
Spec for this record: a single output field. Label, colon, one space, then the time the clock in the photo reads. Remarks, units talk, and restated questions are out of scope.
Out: 3:58
